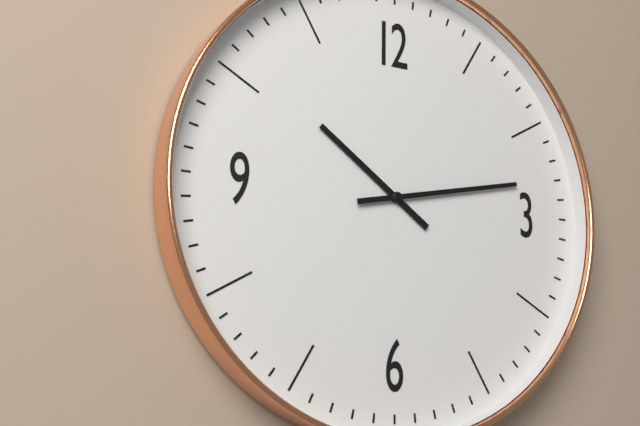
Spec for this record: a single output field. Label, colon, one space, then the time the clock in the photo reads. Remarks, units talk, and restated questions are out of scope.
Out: 10:13
